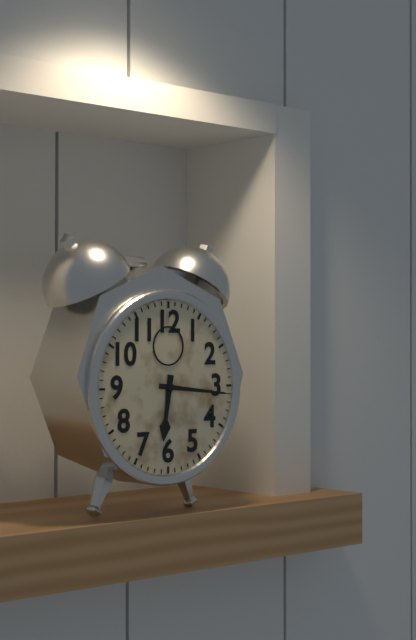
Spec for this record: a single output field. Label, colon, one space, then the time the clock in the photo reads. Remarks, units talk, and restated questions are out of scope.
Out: 6:16
